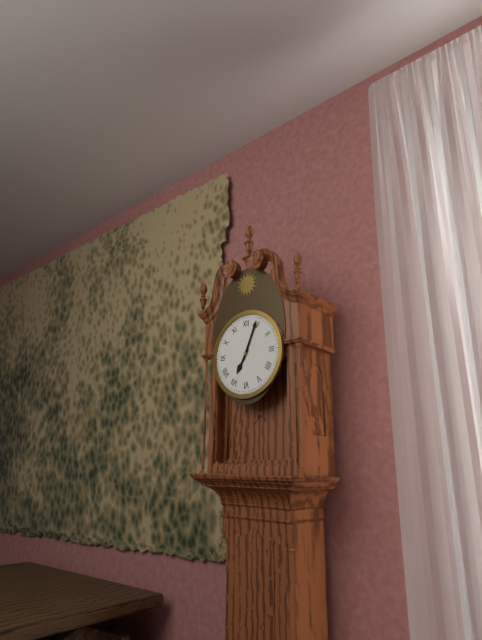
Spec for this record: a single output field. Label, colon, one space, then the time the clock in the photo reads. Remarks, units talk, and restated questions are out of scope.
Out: 7:04
